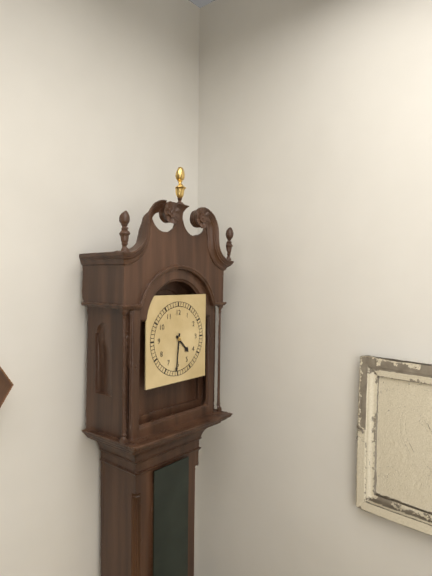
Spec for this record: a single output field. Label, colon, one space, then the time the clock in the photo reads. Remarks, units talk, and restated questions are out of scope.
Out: 4:31
